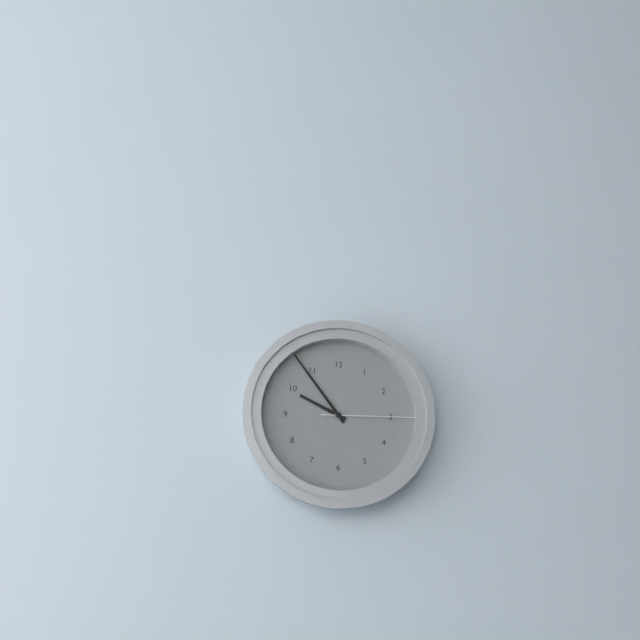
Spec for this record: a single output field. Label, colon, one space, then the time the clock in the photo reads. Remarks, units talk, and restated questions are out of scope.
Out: 9:54:15
